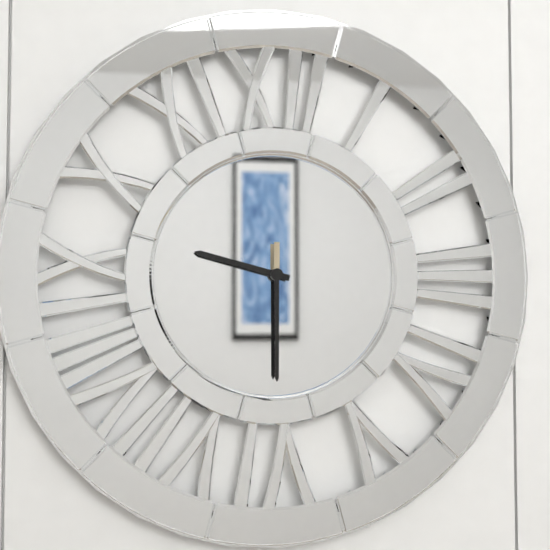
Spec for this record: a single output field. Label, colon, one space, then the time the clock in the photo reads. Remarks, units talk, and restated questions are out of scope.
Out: 9:30
